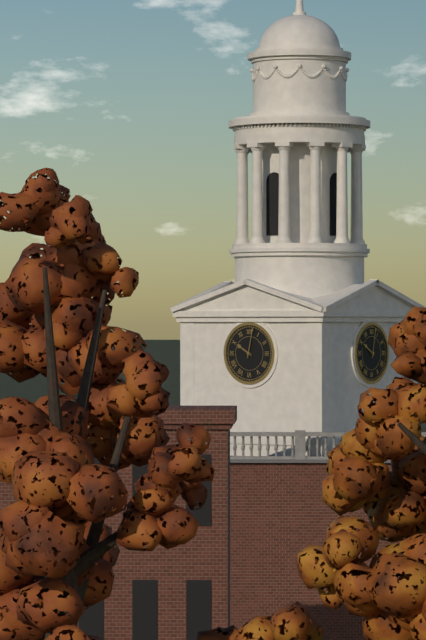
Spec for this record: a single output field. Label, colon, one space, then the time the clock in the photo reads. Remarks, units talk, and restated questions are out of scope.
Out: 10:02
